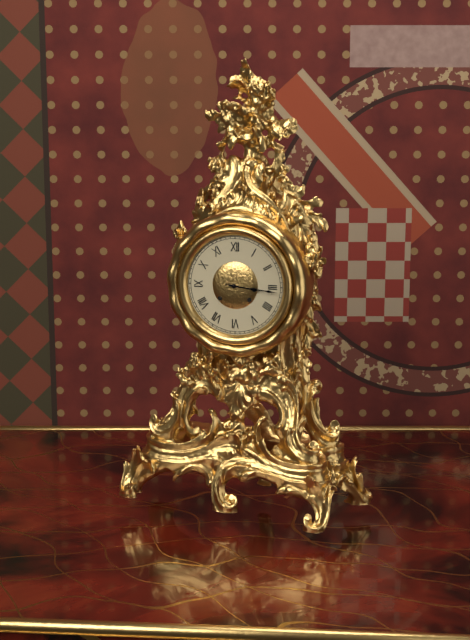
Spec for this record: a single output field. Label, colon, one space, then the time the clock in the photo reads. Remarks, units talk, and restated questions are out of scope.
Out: 3:16
